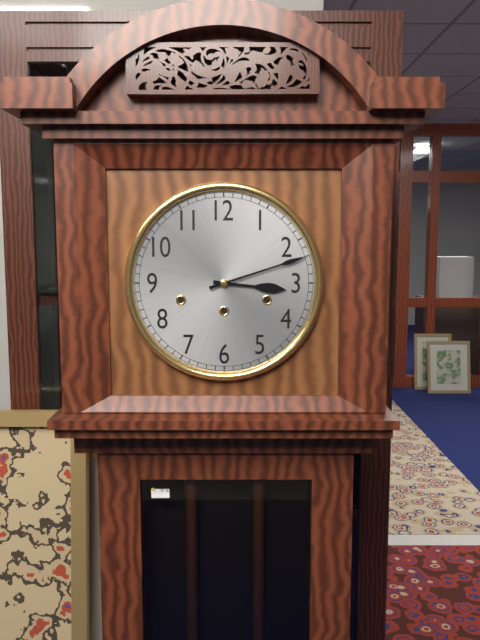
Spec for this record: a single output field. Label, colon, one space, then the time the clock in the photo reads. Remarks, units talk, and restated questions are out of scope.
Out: 3:12
